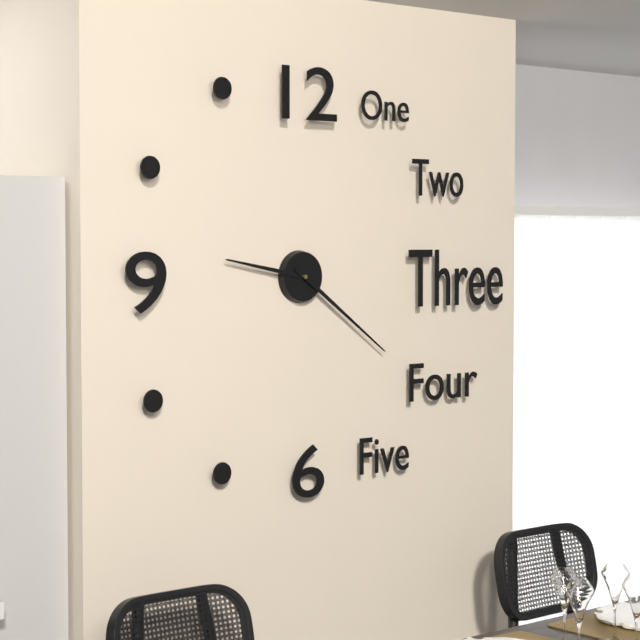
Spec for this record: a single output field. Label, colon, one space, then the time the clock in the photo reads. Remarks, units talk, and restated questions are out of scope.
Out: 9:21
